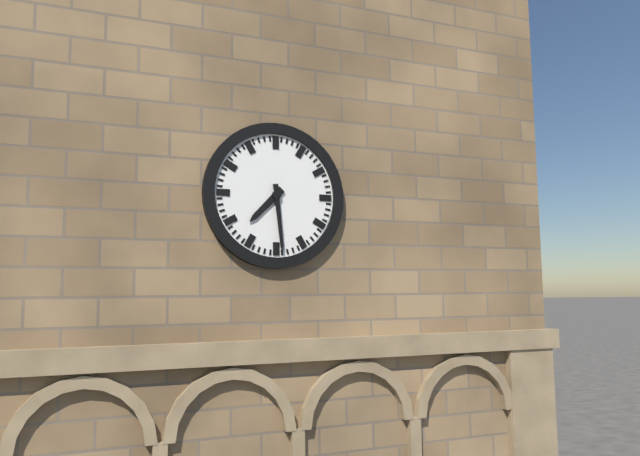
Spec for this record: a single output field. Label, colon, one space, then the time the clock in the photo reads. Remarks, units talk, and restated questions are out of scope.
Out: 7:29
